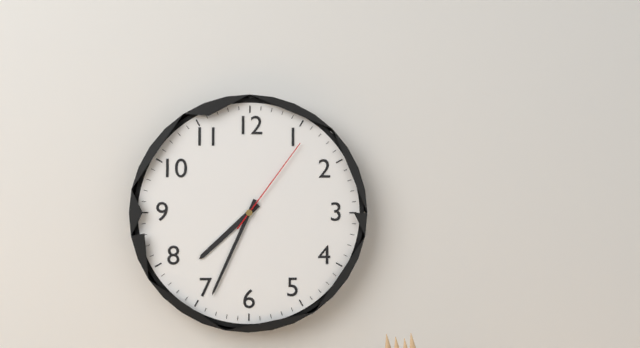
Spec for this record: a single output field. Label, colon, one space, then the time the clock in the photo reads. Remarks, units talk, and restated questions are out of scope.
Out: 7:34:06
